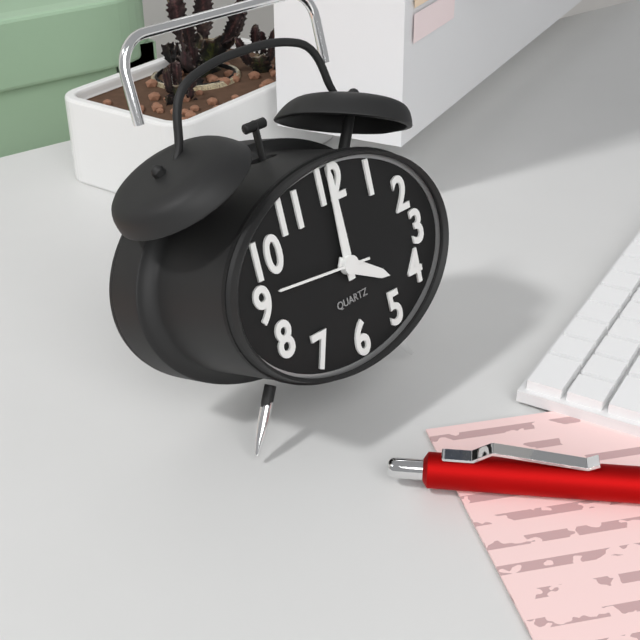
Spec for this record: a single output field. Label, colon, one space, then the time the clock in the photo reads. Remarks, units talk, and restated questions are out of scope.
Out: 4:00:46
